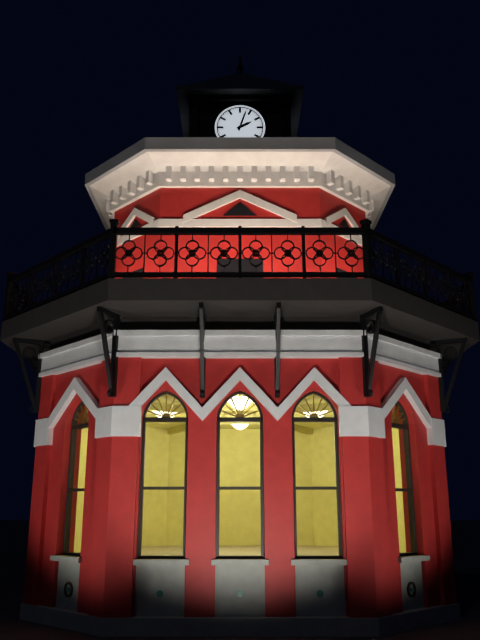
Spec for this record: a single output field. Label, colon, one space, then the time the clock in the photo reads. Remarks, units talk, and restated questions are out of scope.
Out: 2:03
